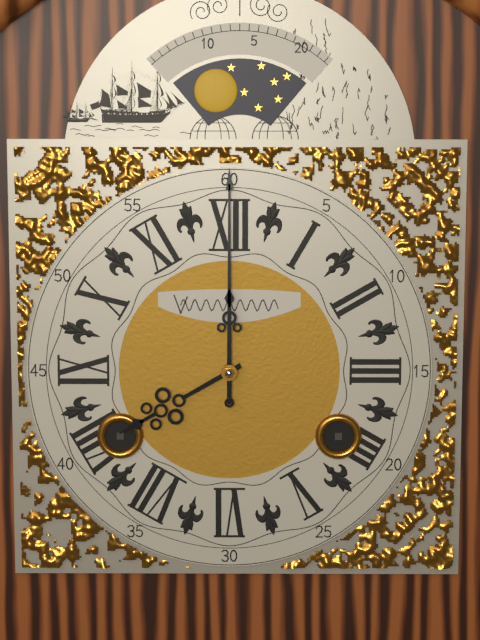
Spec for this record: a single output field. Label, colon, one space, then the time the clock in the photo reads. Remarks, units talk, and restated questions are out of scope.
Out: 8:00
